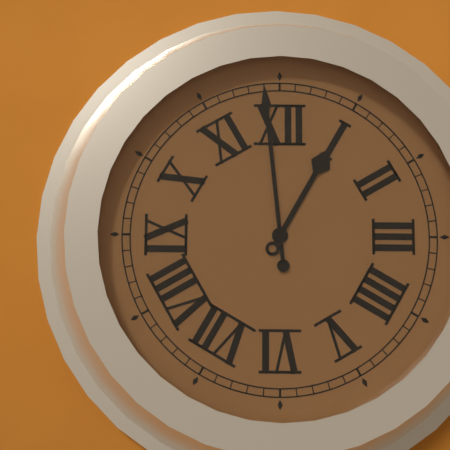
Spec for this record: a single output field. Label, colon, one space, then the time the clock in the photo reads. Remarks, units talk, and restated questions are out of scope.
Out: 12:59
